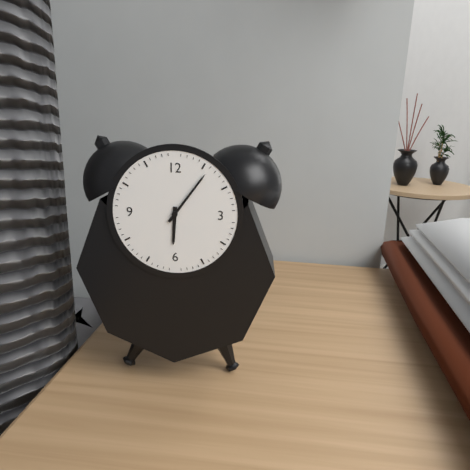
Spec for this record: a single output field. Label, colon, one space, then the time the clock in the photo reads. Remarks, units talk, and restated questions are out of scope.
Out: 6:06
